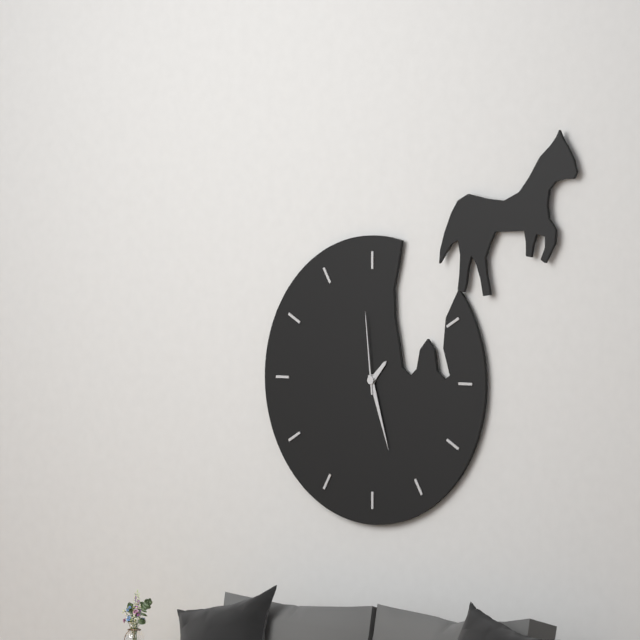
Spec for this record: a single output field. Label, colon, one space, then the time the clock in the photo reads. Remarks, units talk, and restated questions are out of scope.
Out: 1:27:59
